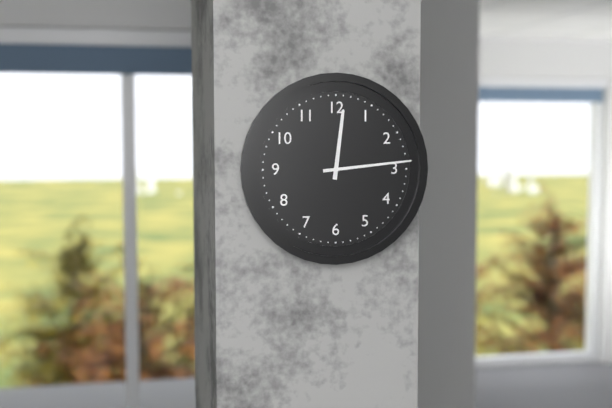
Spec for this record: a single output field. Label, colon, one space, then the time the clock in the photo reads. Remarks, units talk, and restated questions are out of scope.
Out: 12:14
